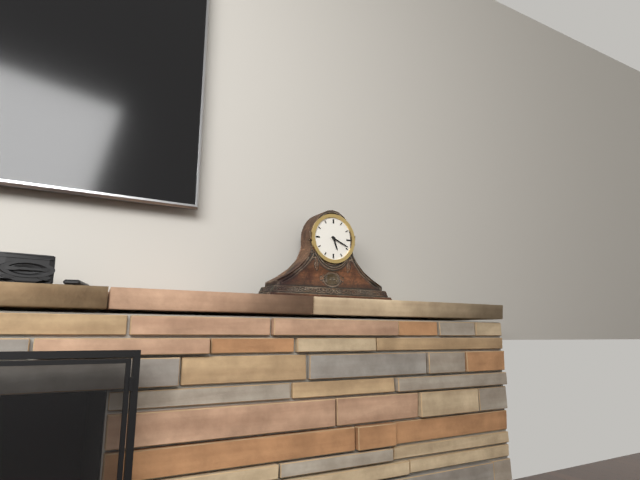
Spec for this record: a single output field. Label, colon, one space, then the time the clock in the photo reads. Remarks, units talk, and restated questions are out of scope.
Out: 5:19
